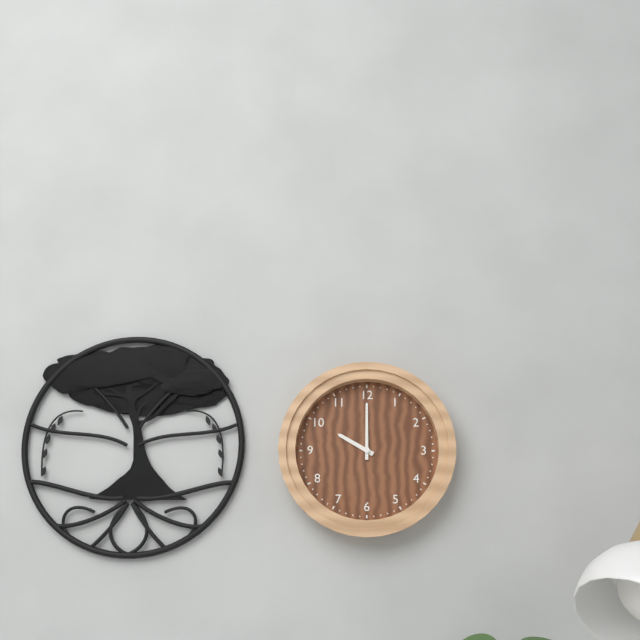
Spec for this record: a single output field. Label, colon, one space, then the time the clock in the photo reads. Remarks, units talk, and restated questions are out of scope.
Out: 10:00
